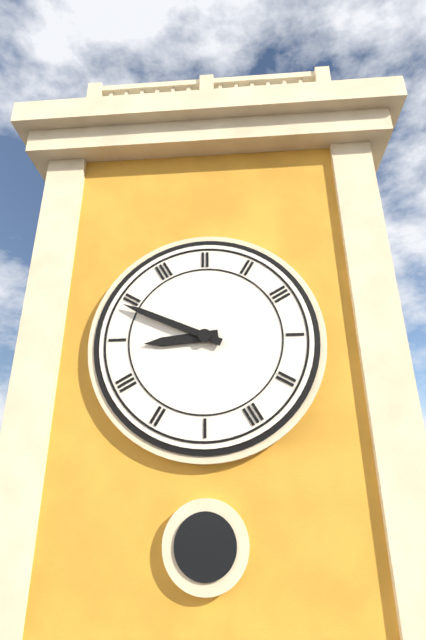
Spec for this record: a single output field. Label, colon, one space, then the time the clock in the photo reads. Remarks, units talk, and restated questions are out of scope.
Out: 8:49
